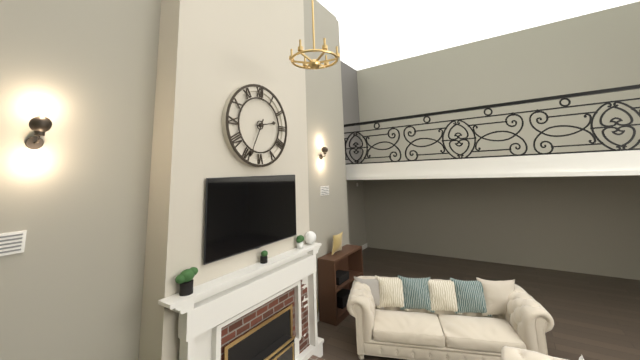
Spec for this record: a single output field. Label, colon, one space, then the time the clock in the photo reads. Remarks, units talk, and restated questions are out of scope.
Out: 2:34
